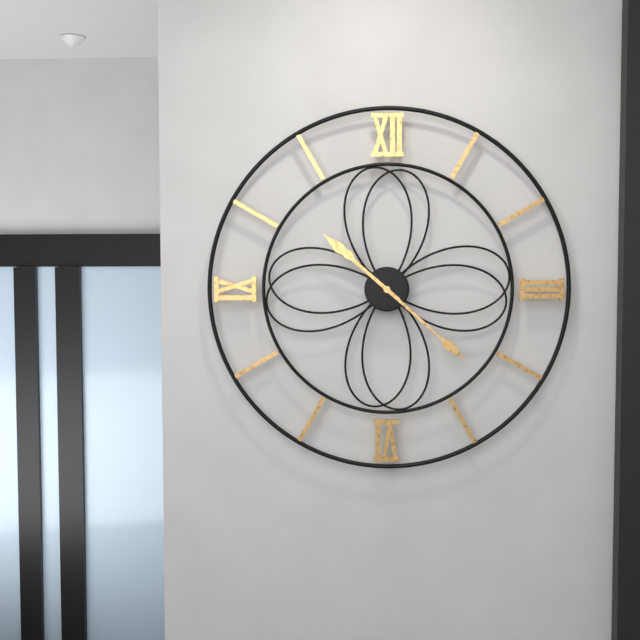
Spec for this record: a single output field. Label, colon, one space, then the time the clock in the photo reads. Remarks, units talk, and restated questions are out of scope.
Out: 10:22
